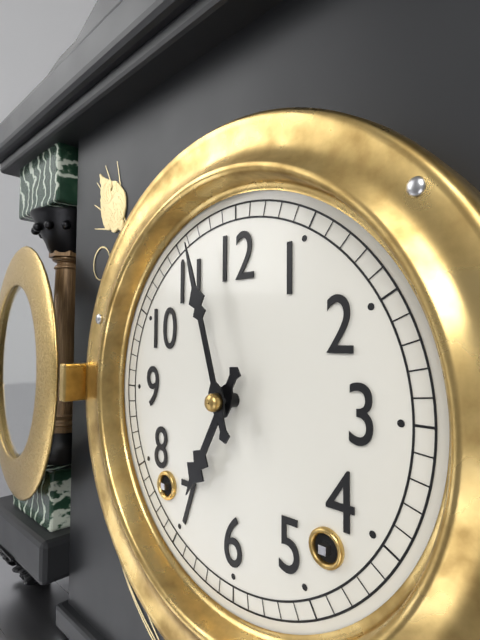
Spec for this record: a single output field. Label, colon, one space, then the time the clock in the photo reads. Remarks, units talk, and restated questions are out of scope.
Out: 6:57
